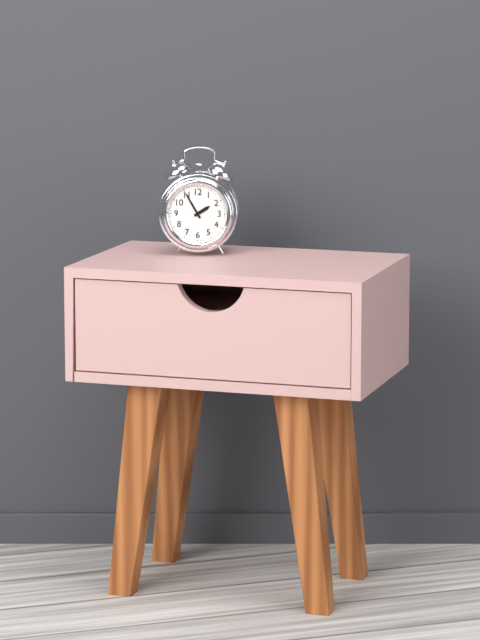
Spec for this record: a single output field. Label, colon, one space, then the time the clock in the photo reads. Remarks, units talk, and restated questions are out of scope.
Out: 1:55
